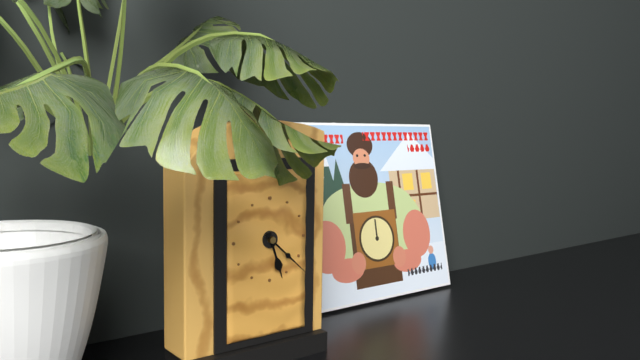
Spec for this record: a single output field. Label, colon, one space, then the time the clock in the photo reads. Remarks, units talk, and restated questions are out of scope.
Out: 5:22
